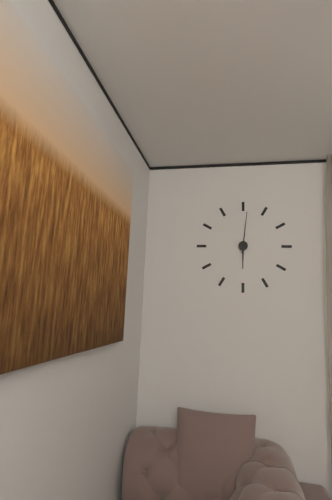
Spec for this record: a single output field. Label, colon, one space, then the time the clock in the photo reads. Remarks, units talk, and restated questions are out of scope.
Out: 6:01
